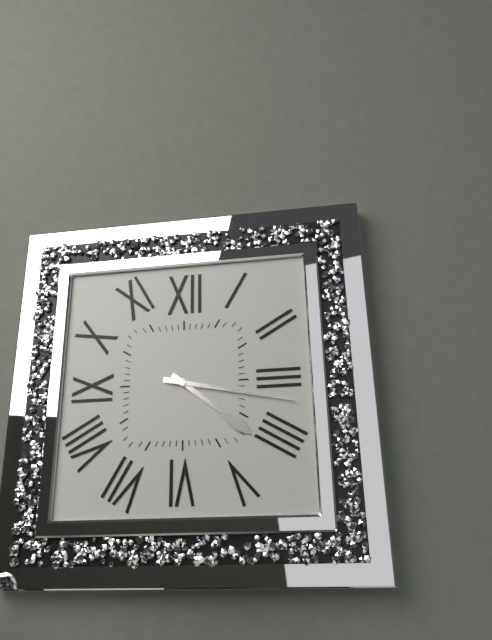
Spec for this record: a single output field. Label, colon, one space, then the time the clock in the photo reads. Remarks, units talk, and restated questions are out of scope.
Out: 4:17
